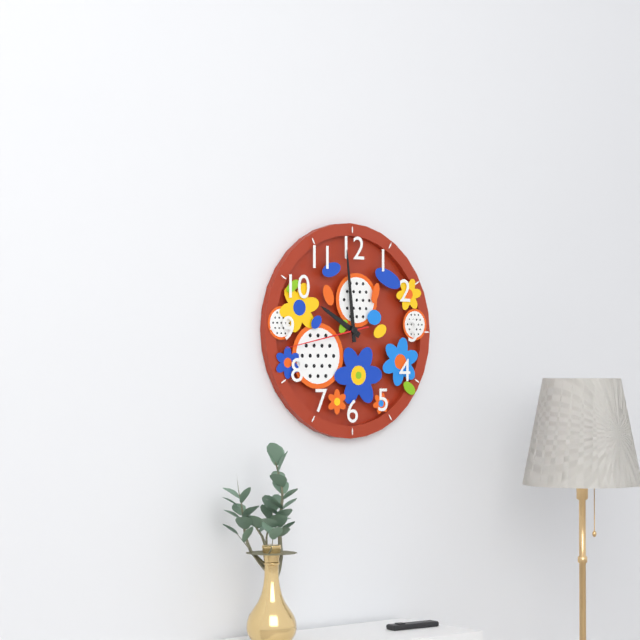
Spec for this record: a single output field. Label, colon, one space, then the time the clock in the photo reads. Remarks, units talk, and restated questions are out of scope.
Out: 9:59:43
